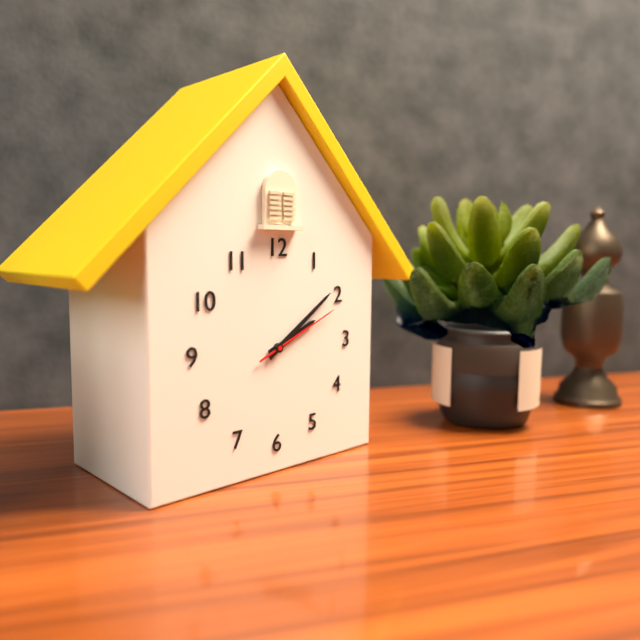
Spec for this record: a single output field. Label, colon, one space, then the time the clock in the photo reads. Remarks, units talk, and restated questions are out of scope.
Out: 2:09:11
